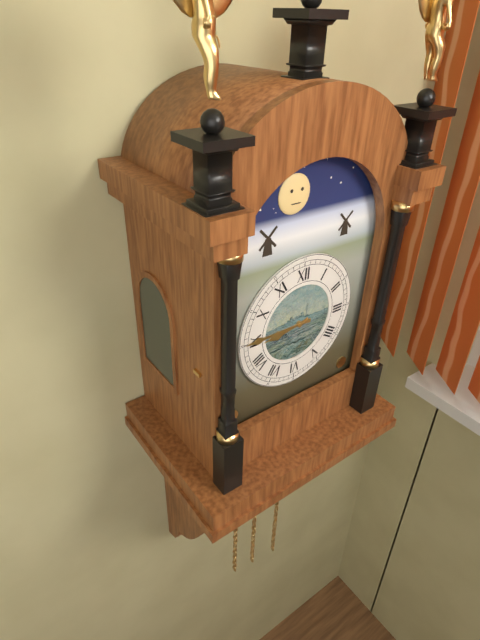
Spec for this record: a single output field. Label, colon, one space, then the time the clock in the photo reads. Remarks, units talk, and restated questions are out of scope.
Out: 8:45
